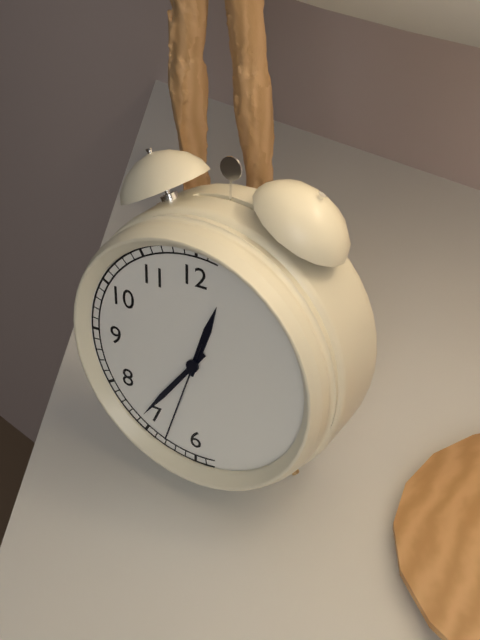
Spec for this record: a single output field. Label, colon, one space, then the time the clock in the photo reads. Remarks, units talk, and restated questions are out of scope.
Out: 12:36:33
